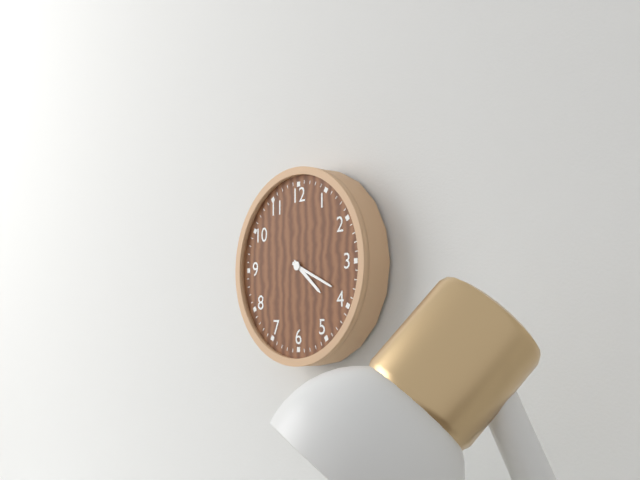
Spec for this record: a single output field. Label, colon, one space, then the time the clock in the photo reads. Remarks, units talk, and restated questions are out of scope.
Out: 4:19
